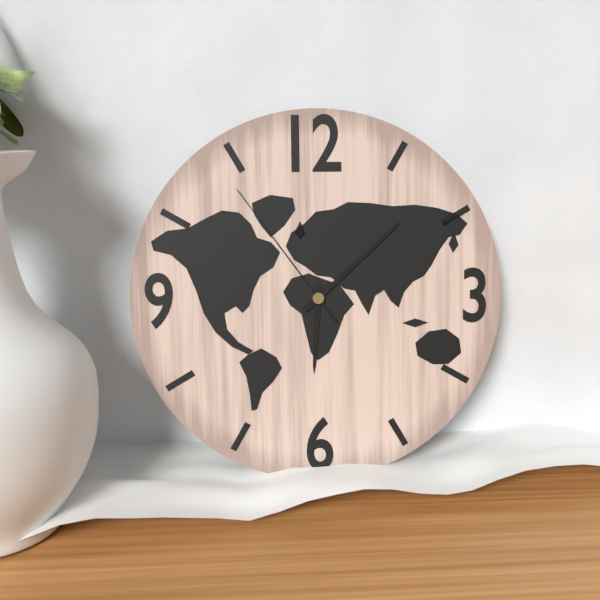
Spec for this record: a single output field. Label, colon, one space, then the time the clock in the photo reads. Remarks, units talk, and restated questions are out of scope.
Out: 6:08:54
